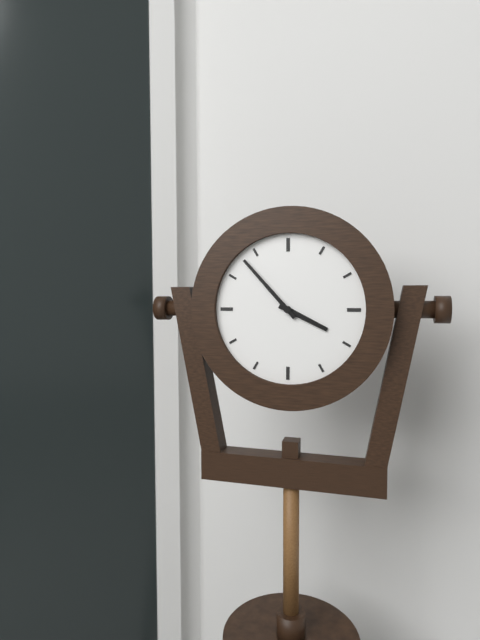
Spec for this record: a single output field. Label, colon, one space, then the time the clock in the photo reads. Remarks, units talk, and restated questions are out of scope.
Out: 3:53
